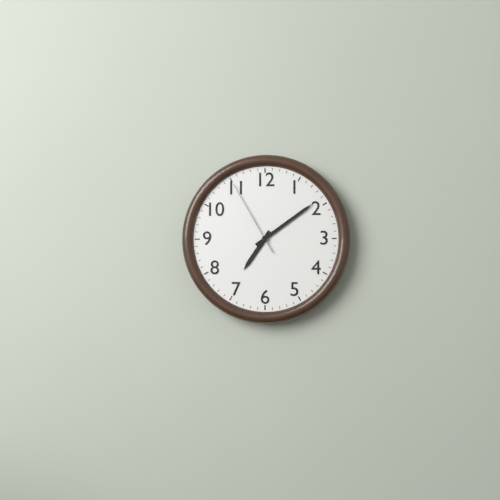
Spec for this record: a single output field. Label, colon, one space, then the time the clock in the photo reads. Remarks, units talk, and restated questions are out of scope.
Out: 7:09:55
